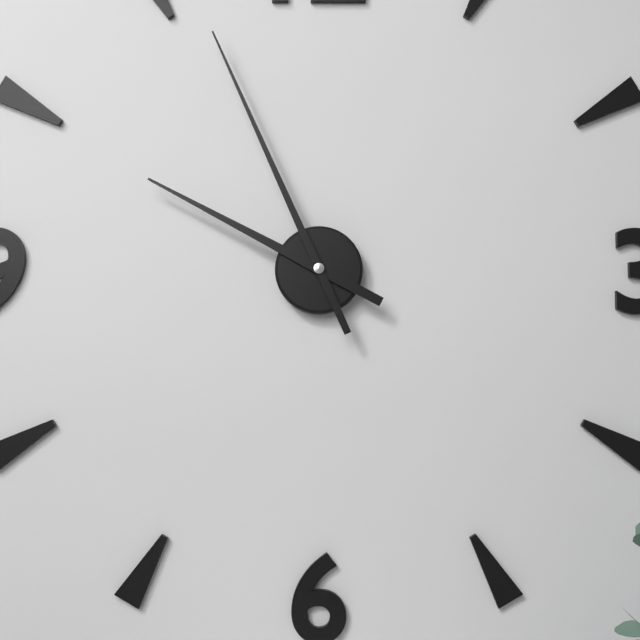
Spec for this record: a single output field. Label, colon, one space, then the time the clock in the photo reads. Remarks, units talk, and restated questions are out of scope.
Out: 9:56
